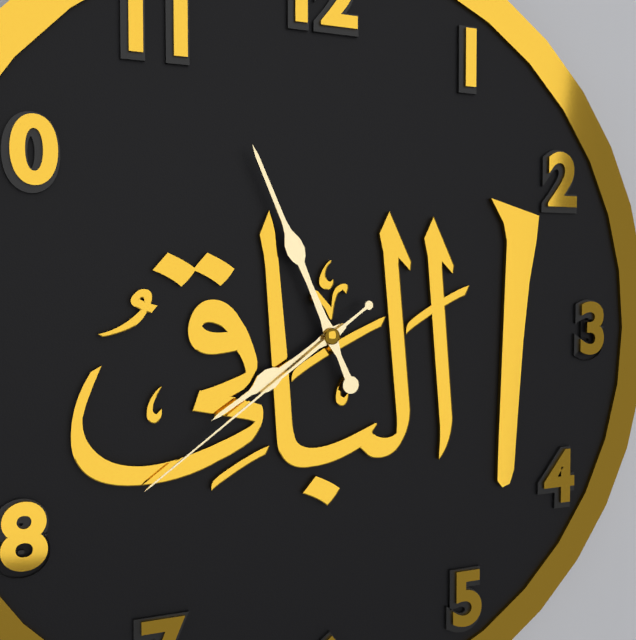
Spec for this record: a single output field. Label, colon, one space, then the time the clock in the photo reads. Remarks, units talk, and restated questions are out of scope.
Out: 7:56:39
